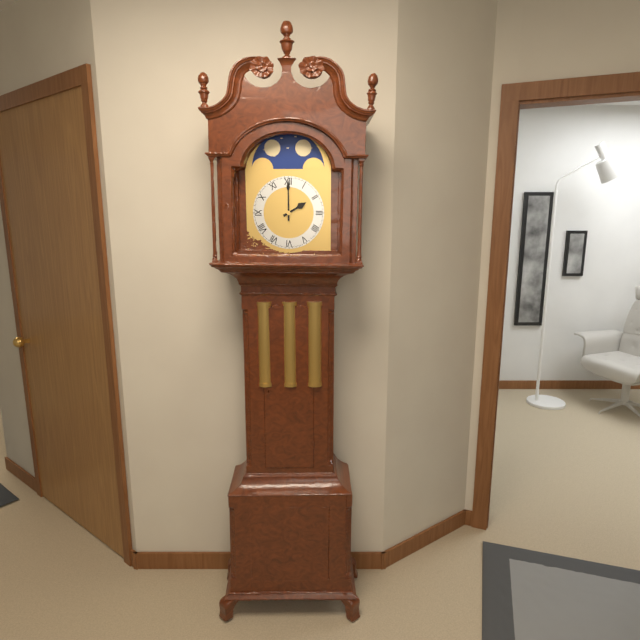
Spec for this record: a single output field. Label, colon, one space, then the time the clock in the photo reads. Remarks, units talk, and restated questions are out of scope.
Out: 2:00
